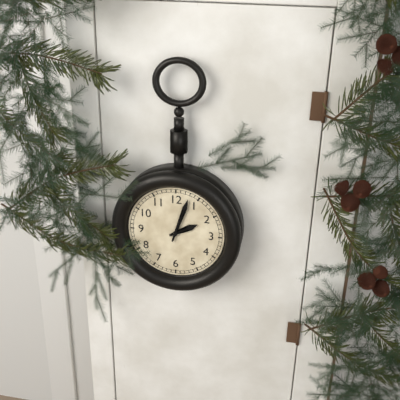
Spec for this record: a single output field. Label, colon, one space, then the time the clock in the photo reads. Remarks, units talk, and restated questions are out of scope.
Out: 2:03
